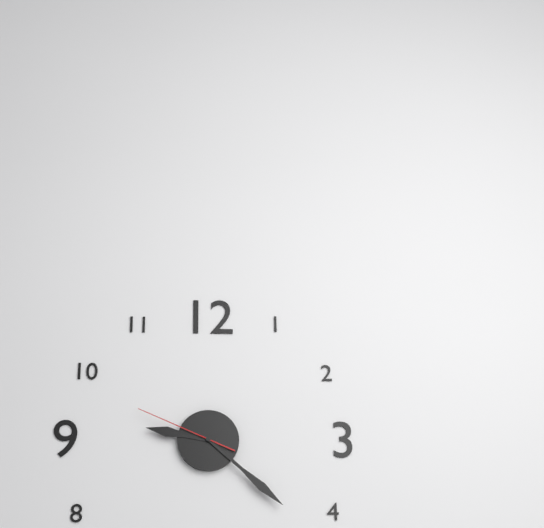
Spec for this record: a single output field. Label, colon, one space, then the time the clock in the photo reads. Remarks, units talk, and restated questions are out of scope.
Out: 9:22:49
